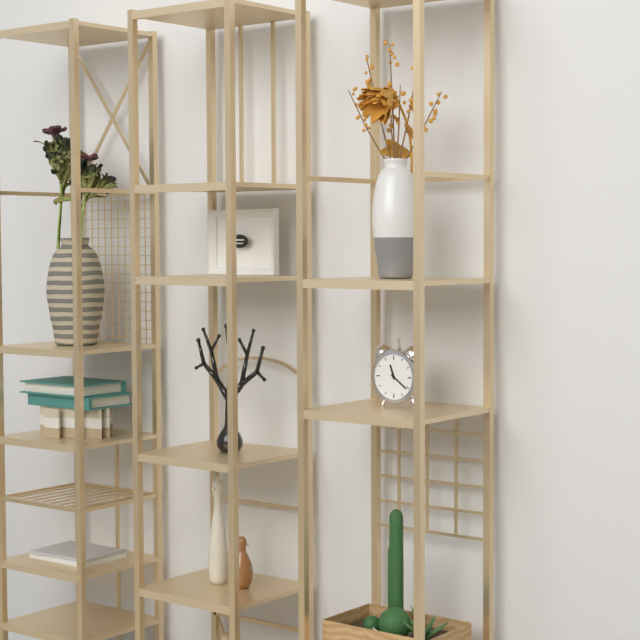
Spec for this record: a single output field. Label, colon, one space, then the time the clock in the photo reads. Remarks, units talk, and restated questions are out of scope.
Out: 11:21
